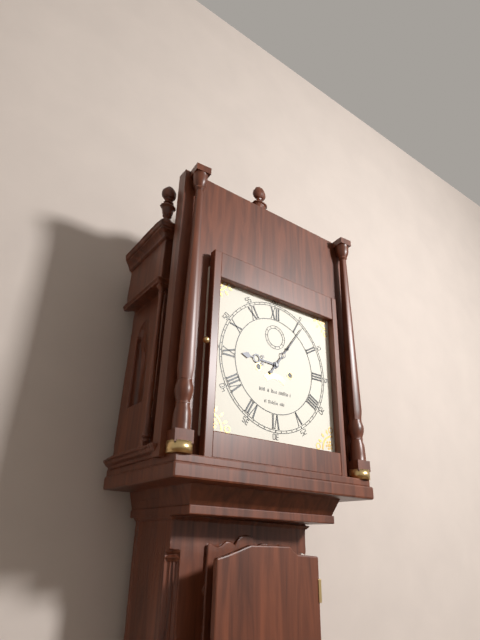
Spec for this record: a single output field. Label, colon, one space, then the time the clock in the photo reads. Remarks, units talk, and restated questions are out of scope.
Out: 9:06
